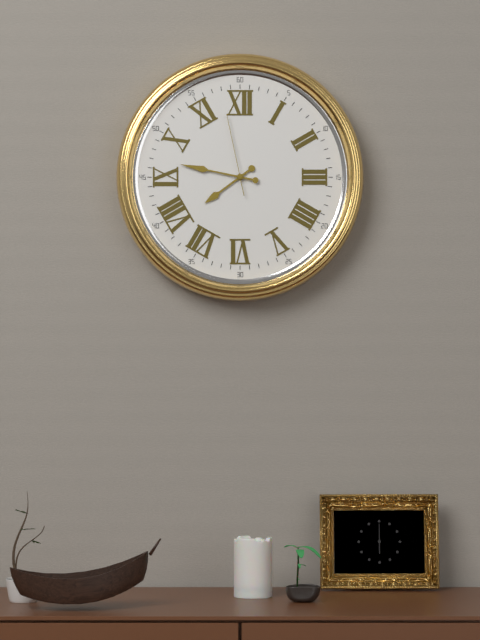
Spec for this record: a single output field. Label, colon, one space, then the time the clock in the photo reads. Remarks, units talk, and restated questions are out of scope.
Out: 7:47:58
